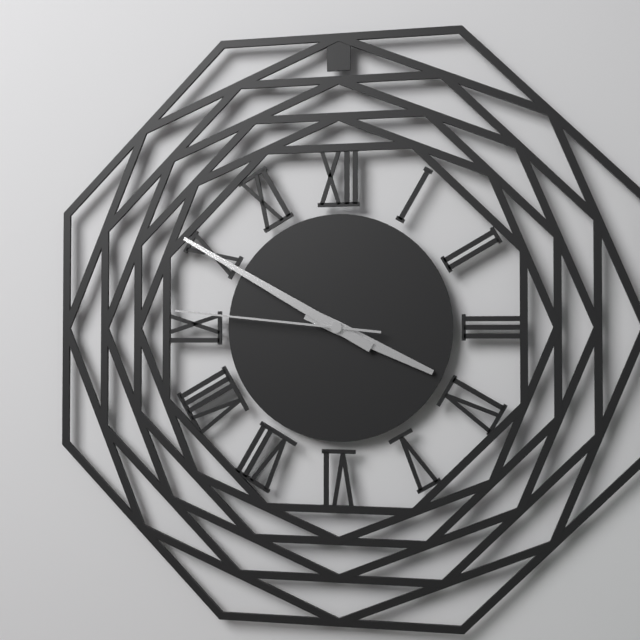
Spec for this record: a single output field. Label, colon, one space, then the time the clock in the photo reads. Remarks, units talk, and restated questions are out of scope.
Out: 3:50:46
